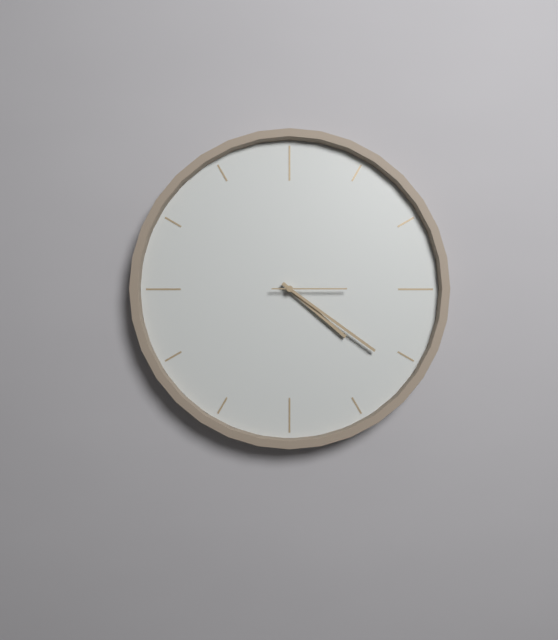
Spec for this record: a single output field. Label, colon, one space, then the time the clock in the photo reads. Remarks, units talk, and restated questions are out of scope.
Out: 4:21:15
